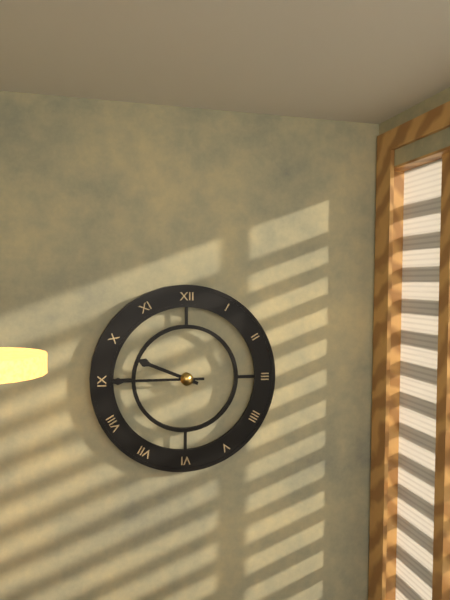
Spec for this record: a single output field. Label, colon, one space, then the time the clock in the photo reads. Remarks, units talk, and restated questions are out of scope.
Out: 9:45
